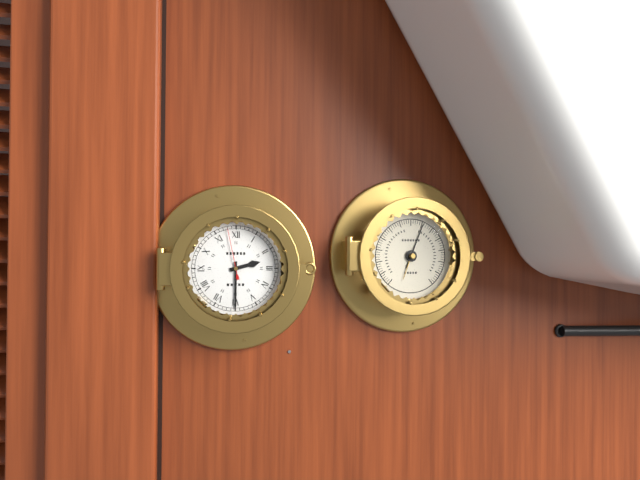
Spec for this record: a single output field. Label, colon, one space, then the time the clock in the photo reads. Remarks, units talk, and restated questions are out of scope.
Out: 2:30:58
